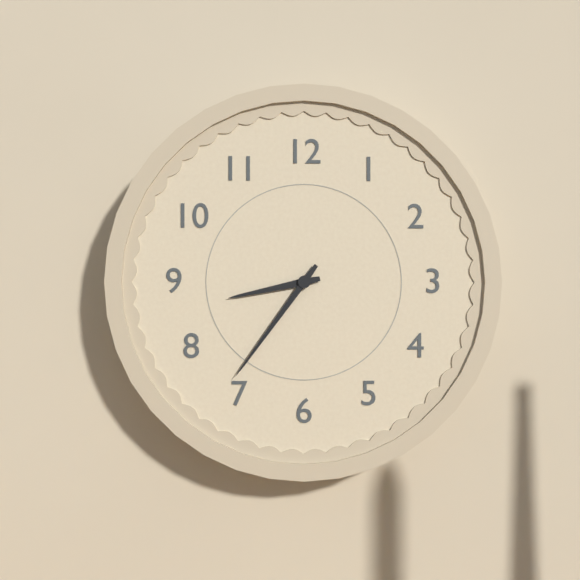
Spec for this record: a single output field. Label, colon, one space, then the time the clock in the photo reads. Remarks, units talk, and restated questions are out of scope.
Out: 8:36
